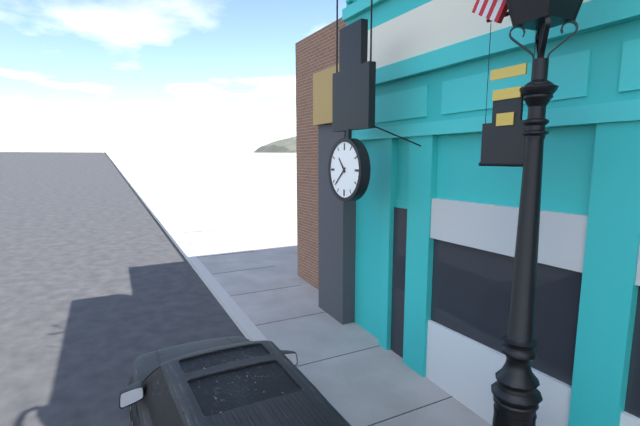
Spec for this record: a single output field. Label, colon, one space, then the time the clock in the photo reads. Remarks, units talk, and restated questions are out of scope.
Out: 10:38
